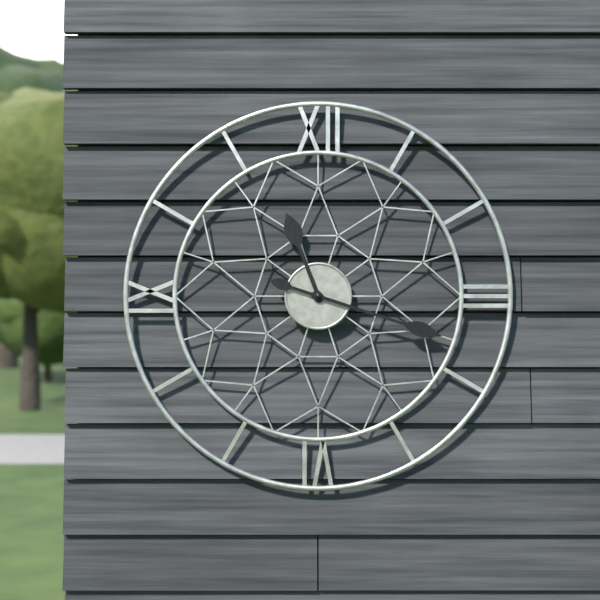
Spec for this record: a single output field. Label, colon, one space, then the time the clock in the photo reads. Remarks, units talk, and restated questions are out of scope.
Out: 11:18
